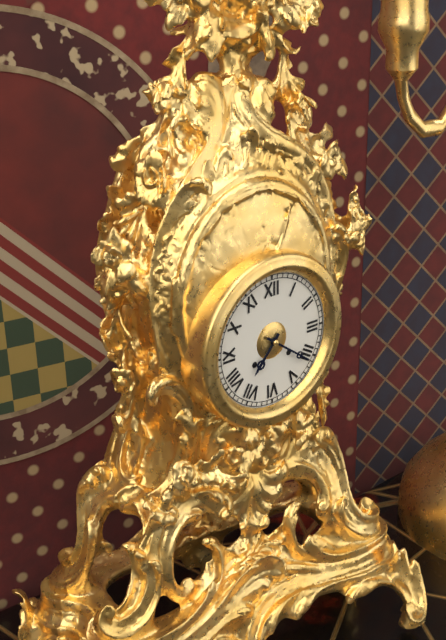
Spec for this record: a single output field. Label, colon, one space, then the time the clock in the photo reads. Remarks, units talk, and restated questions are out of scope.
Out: 7:21
